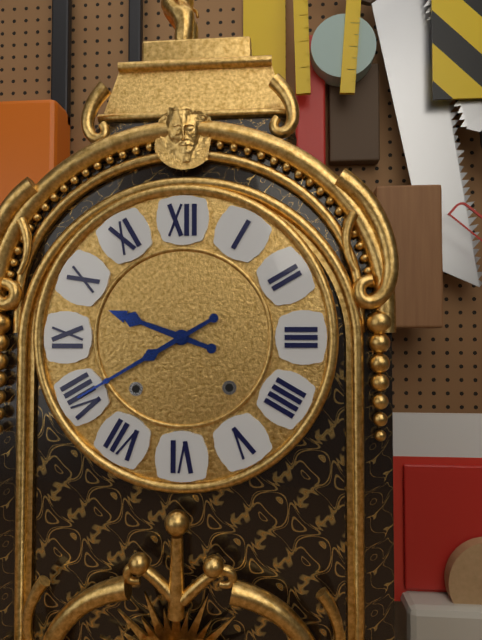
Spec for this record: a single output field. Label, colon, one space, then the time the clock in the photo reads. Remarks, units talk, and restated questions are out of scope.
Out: 9:40
